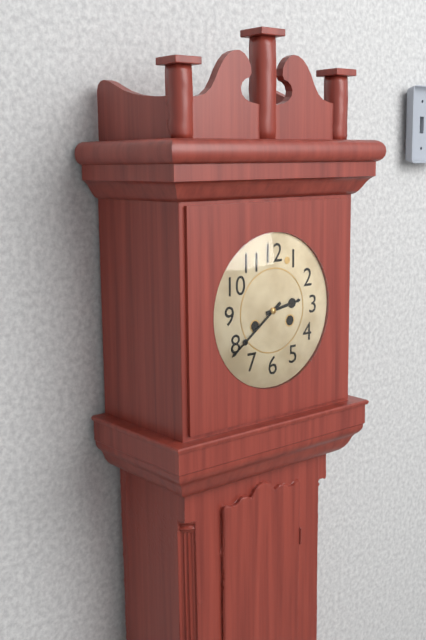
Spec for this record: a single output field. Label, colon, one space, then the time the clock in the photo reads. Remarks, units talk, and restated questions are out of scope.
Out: 2:39
